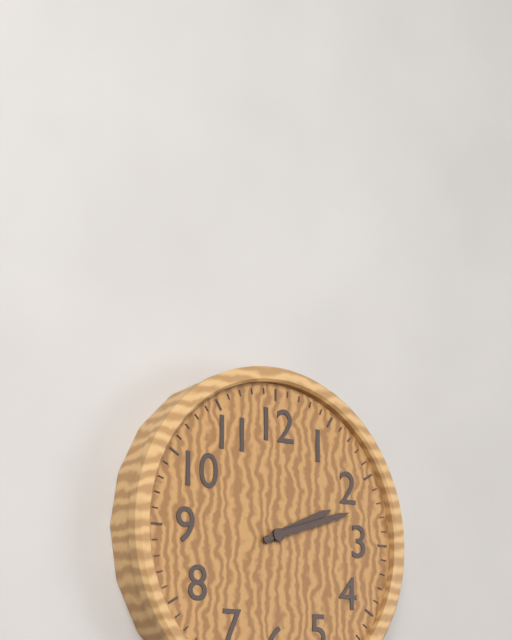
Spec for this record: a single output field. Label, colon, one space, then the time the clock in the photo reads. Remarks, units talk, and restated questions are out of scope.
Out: 2:12
